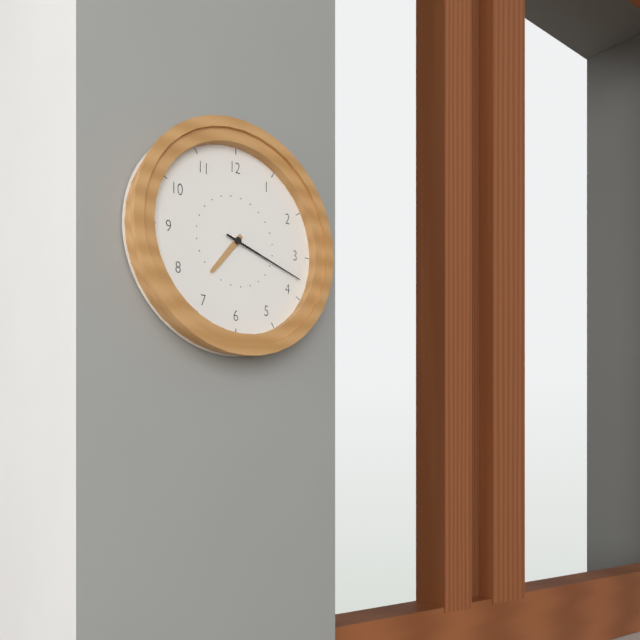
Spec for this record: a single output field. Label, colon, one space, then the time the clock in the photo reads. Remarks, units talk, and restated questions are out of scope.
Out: 7:18
